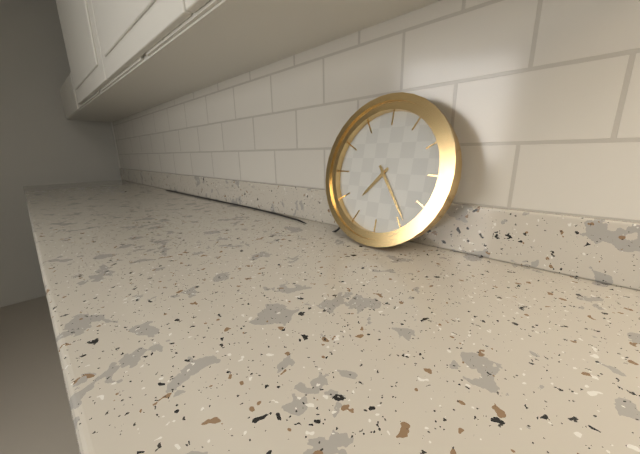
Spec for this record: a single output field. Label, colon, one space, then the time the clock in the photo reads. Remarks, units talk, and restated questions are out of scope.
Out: 7:24
